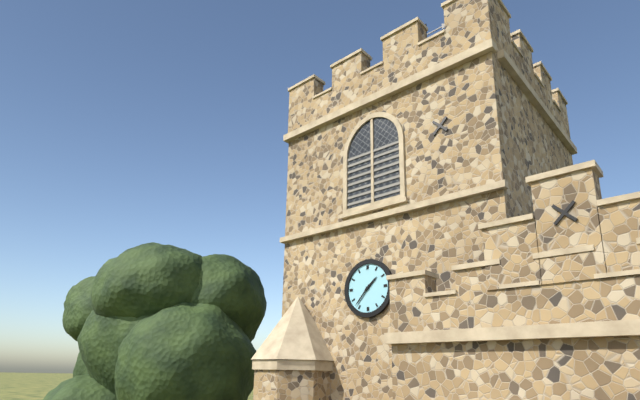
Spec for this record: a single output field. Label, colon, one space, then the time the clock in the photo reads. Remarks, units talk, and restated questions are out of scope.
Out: 1:37
